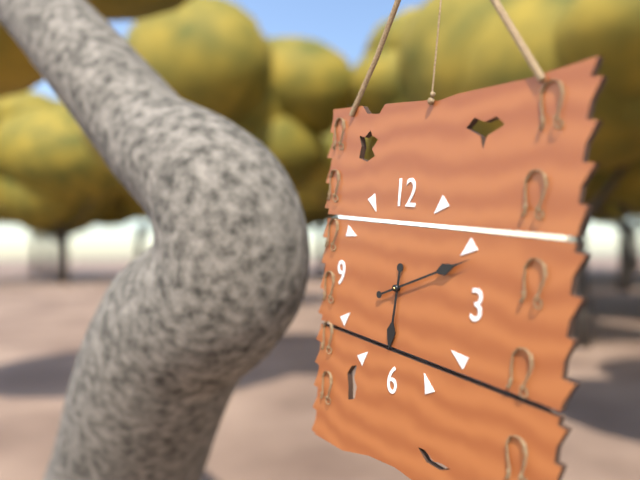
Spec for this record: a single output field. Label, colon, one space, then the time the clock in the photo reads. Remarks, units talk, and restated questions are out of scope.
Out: 6:11
